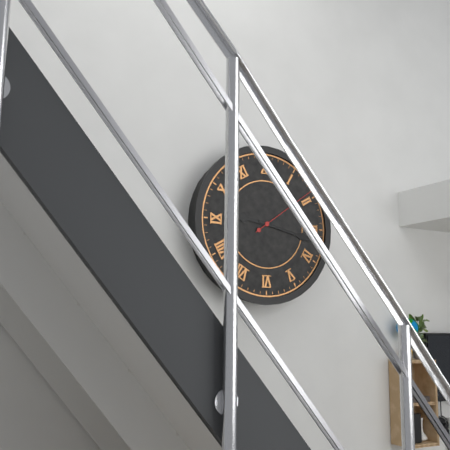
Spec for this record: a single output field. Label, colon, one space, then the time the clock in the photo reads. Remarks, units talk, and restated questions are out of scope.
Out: 9:17:09
